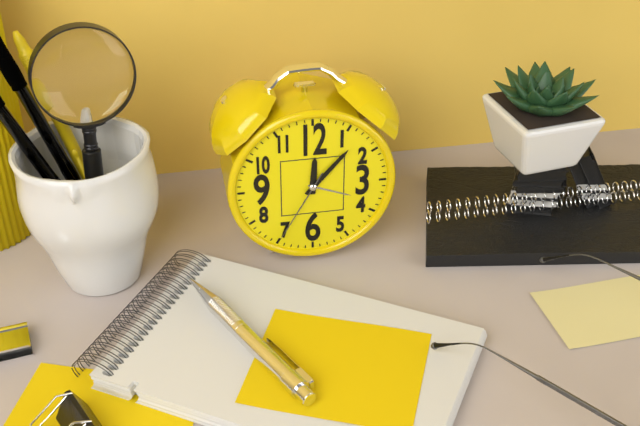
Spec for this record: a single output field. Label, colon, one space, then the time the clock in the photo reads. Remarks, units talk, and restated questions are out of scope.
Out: 12:07:35
